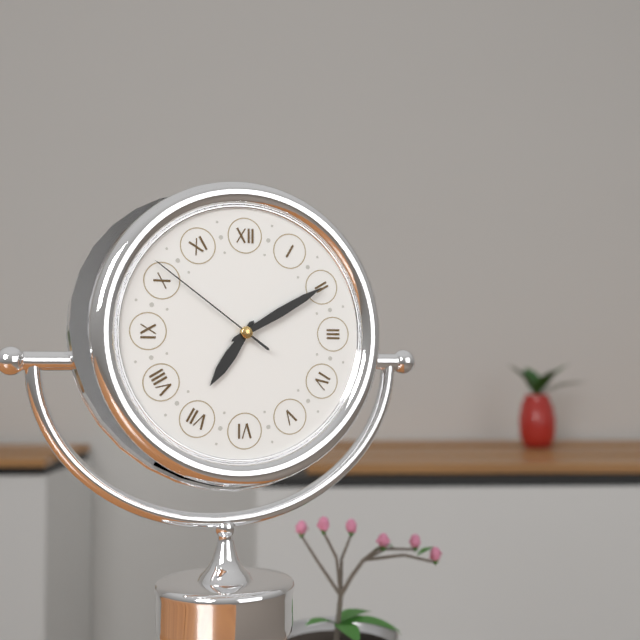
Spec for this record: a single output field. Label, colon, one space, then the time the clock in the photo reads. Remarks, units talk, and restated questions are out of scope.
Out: 7:10:51
